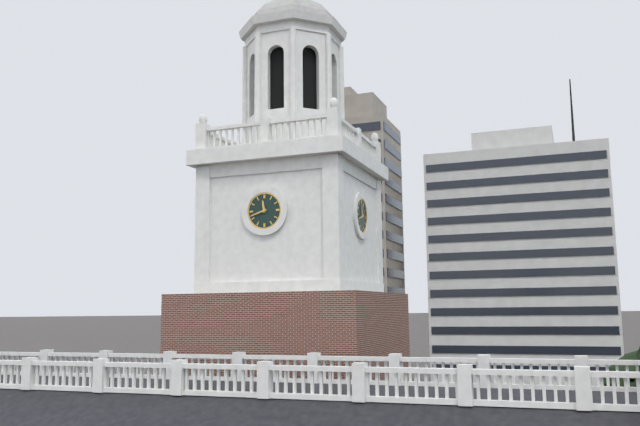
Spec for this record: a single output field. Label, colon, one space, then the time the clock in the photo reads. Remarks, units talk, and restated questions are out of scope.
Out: 11:42
